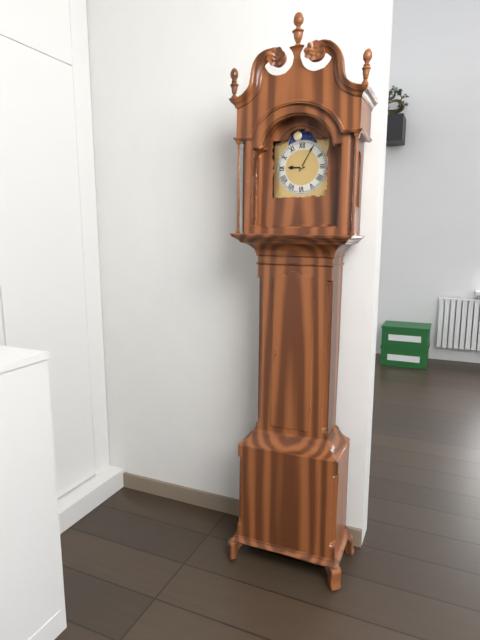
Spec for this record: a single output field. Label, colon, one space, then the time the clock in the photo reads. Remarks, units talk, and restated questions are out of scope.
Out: 9:05
